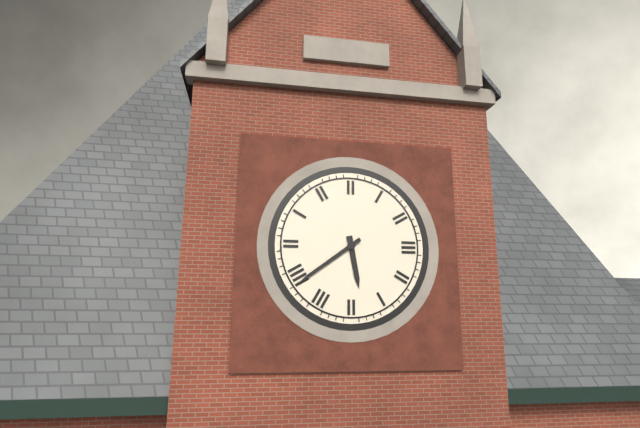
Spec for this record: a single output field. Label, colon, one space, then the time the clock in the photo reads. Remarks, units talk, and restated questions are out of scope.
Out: 5:39
